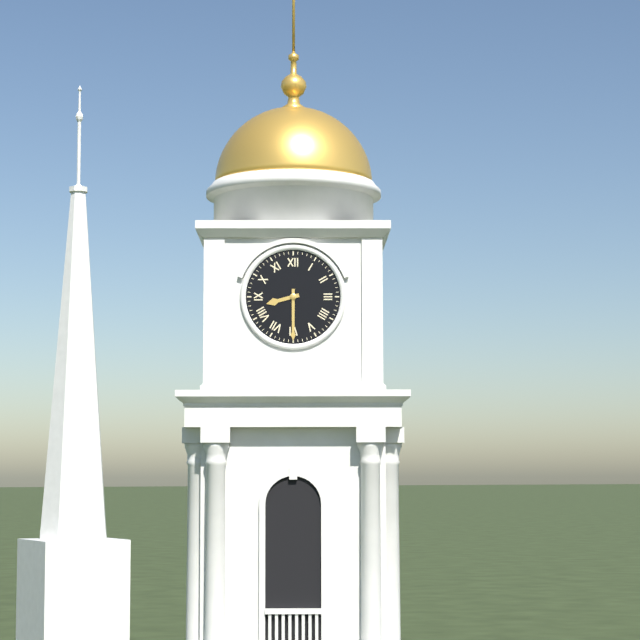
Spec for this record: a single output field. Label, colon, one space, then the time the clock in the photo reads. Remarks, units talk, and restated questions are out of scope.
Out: 8:30
